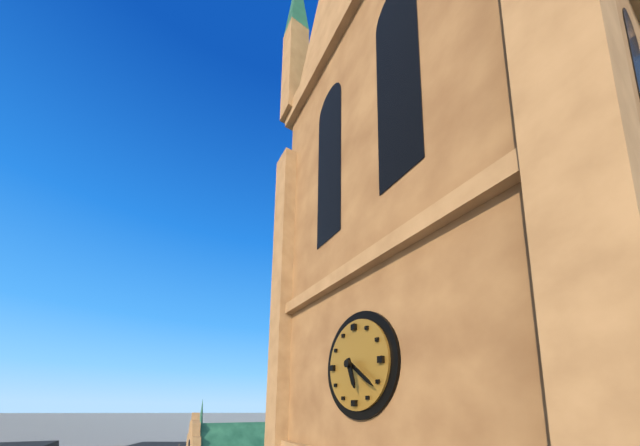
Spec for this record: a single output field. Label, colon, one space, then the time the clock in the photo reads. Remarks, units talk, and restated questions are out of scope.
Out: 5:21
